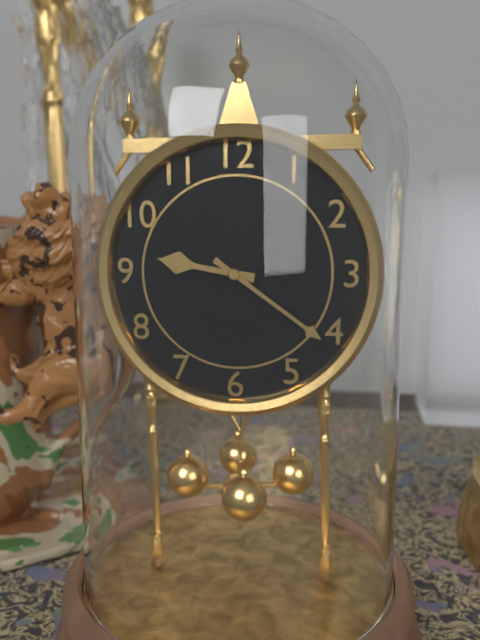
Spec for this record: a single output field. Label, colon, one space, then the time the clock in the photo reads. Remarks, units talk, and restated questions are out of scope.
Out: 9:21
